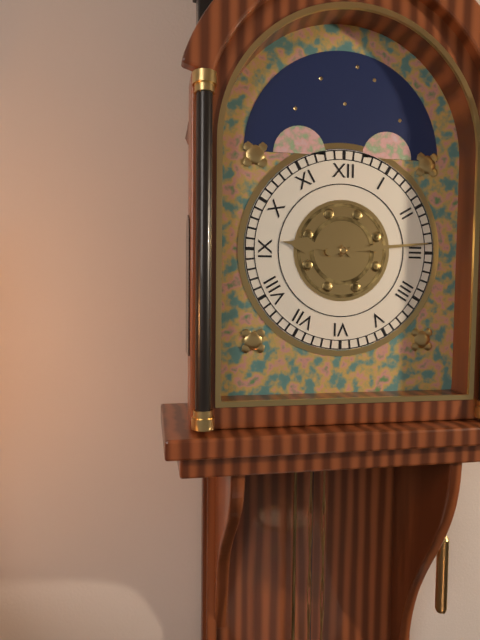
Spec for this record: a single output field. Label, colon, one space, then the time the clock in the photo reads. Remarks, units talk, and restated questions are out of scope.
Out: 9:14
